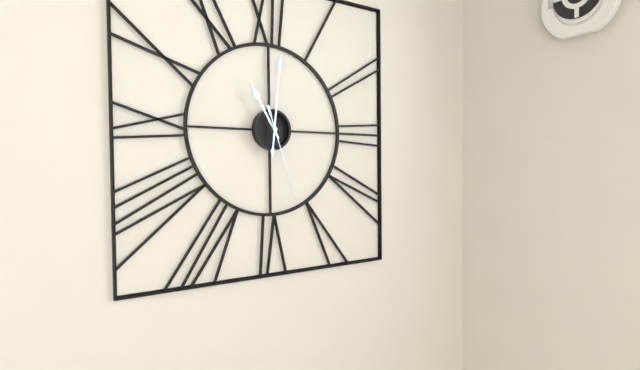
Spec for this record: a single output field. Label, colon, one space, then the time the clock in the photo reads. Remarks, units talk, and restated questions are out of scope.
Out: 11:01:27
